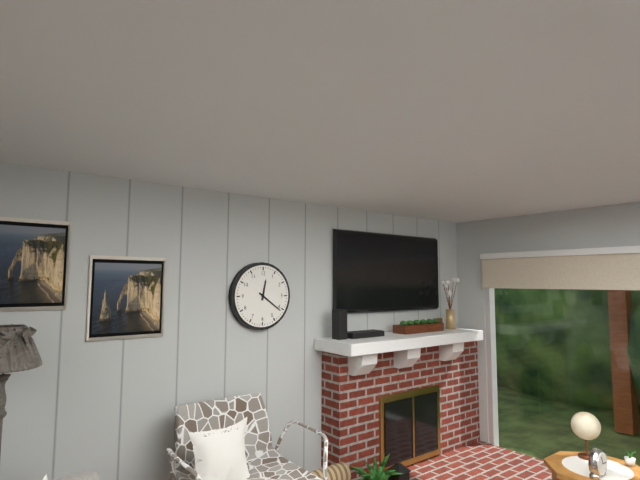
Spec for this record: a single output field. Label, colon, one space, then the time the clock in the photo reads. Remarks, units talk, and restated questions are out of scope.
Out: 12:21
